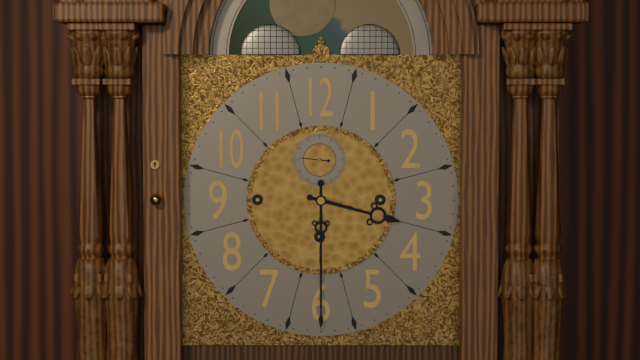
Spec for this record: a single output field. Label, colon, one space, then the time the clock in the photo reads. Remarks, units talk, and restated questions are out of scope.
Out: 3:30
